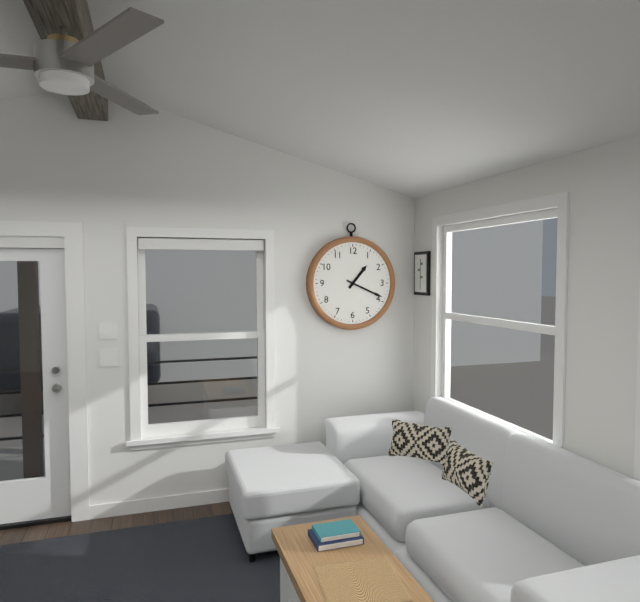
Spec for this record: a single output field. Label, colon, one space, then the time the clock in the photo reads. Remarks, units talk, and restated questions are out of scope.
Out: 1:19
